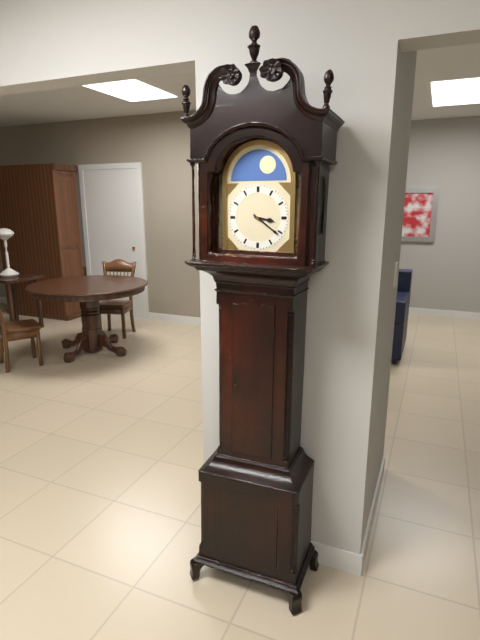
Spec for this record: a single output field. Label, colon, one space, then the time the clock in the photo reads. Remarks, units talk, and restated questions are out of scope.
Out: 3:21
